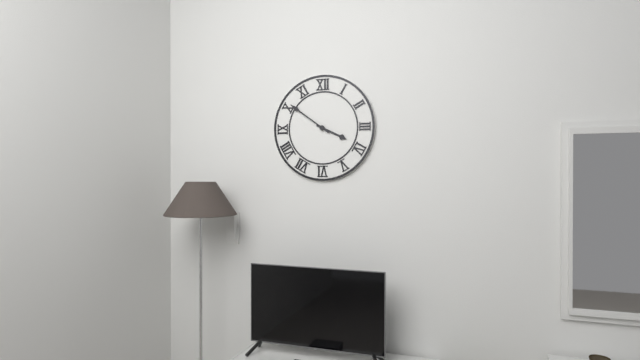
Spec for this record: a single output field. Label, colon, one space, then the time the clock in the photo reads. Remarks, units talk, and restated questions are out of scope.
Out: 3:51
